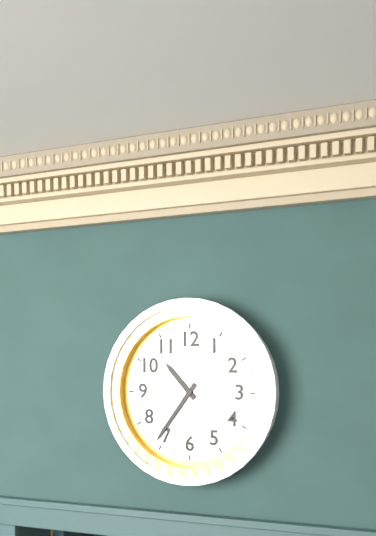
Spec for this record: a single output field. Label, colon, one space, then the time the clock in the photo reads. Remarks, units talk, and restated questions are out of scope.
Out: 10:36
